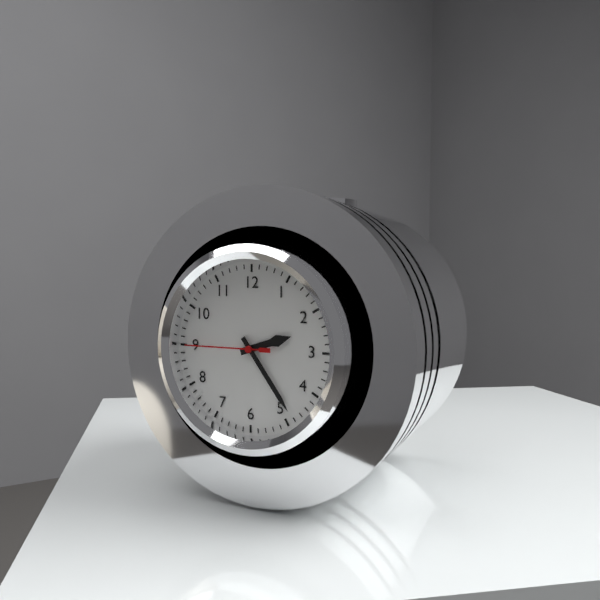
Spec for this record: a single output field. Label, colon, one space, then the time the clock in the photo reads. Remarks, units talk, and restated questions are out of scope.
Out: 2:24:45
